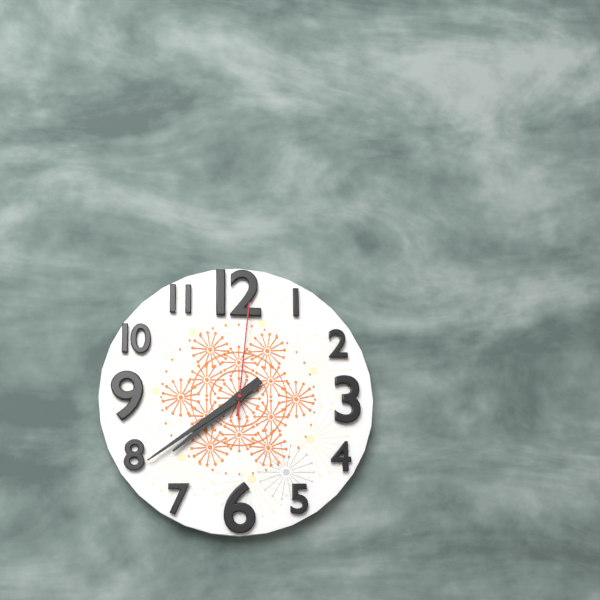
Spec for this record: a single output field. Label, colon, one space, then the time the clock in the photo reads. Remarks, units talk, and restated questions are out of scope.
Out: 7:39:01
